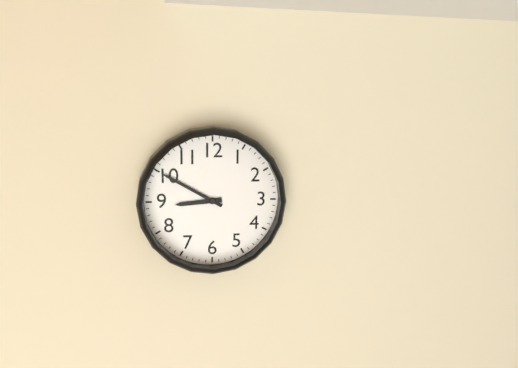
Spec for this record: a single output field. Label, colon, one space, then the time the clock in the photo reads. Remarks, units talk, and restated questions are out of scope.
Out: 8:50
